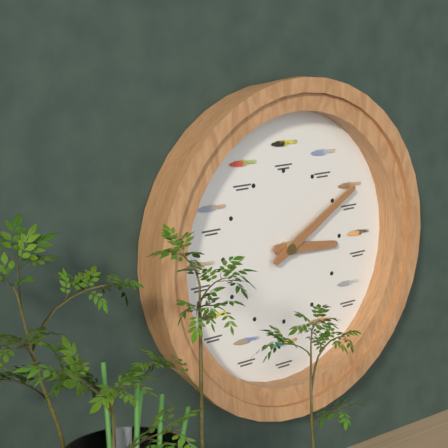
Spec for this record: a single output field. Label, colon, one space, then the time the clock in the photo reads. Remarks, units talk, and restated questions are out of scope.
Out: 3:10
